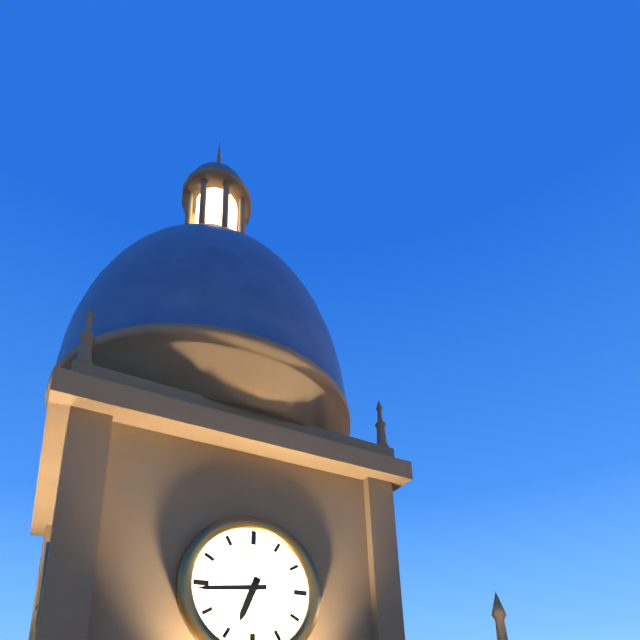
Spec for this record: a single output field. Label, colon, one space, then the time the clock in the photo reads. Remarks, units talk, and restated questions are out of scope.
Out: 6:44
